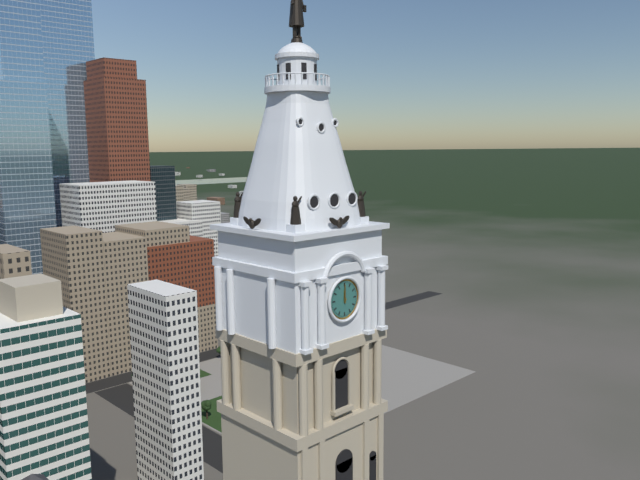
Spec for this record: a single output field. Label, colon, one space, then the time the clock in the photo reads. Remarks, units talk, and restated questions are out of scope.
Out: 12:00
